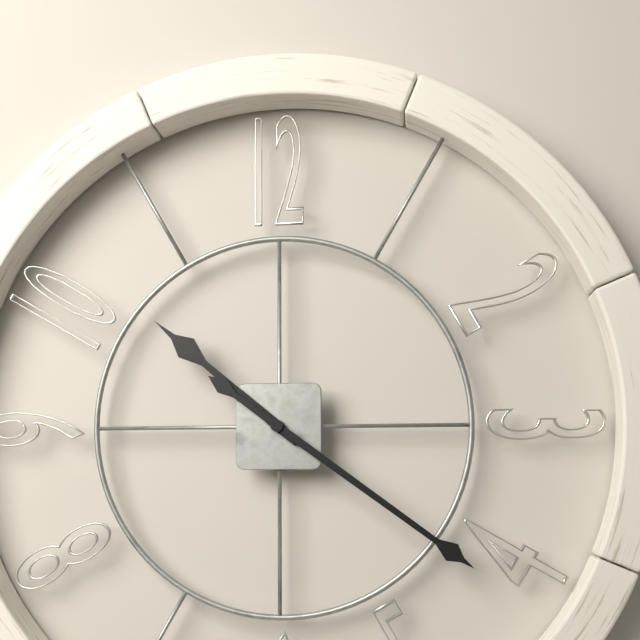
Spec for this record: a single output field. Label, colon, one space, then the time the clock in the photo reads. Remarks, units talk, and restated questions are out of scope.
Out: 10:21
